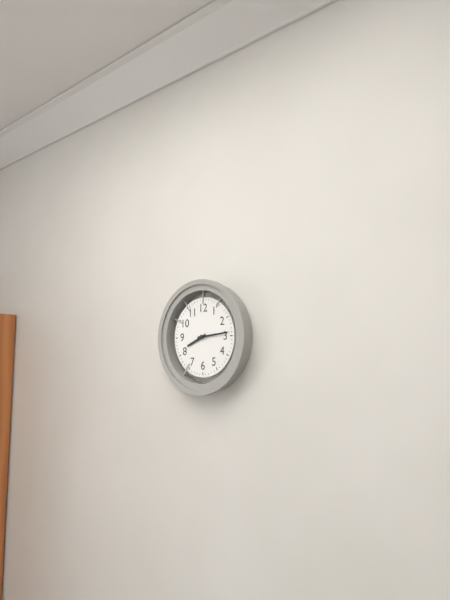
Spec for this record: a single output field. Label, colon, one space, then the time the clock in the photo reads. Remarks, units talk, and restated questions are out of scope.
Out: 8:14
